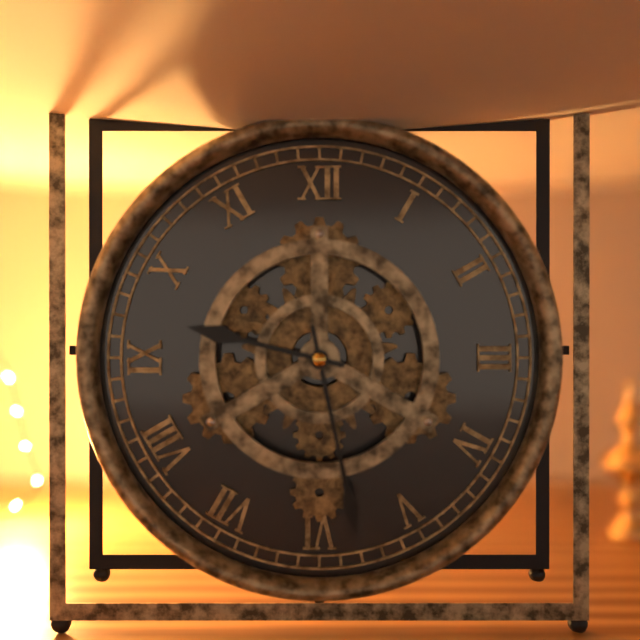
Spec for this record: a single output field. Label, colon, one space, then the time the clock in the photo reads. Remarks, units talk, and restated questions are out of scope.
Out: 9:28
